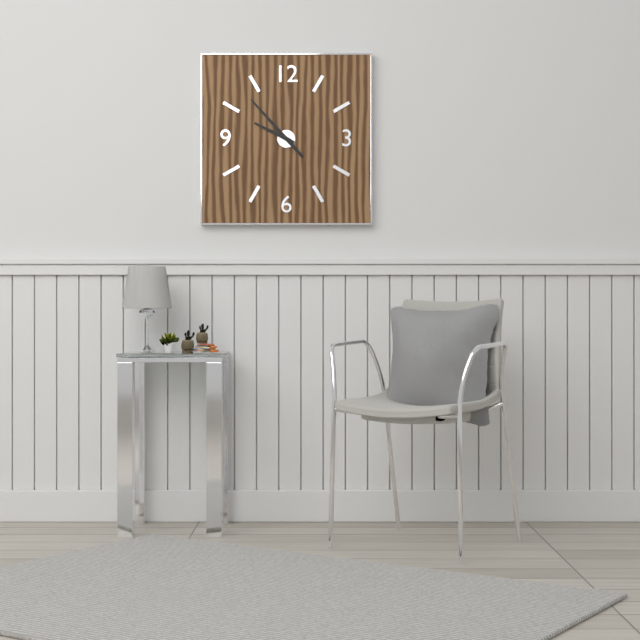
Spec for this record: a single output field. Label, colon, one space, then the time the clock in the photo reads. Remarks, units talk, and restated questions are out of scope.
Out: 9:53
